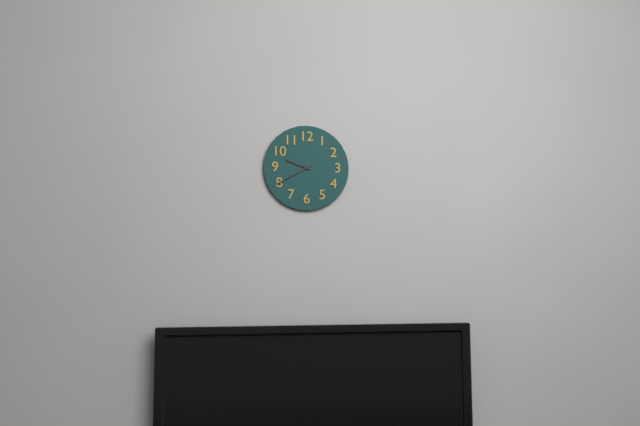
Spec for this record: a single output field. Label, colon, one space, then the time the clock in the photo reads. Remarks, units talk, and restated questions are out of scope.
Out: 9:40
